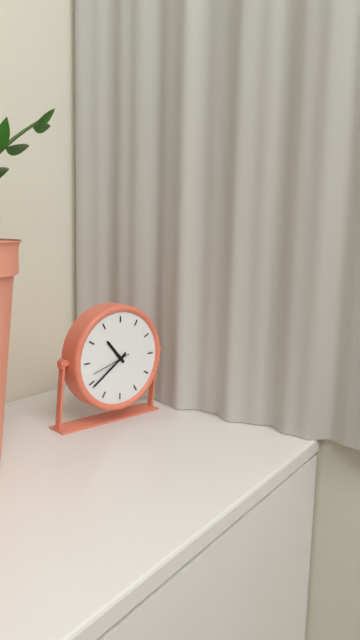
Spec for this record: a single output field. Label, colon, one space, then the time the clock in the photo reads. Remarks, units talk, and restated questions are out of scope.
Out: 10:39
